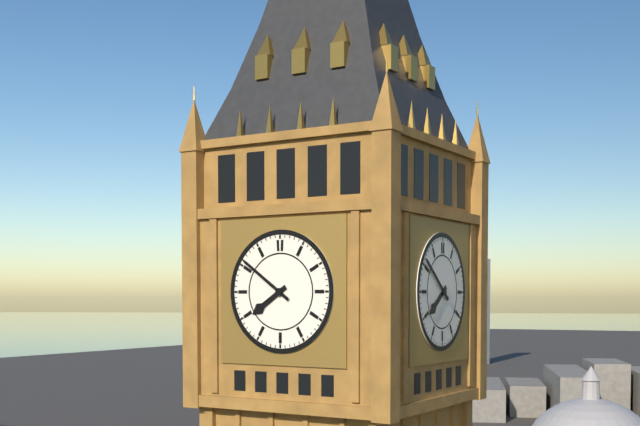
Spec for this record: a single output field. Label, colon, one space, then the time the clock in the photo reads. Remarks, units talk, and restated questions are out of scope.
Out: 7:51
